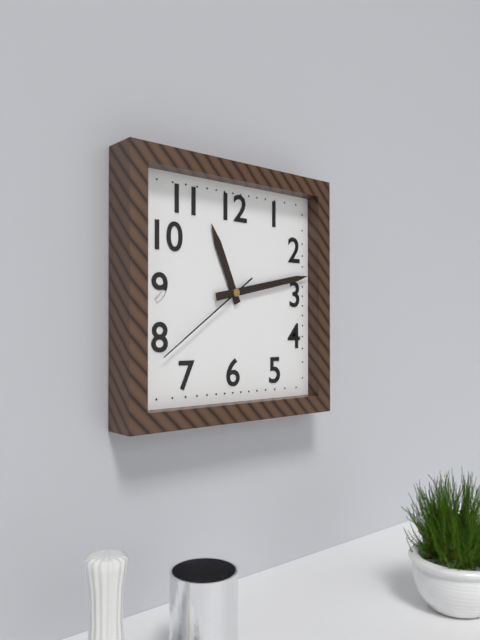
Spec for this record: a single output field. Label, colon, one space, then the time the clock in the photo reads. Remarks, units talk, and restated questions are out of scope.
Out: 11:13:39
